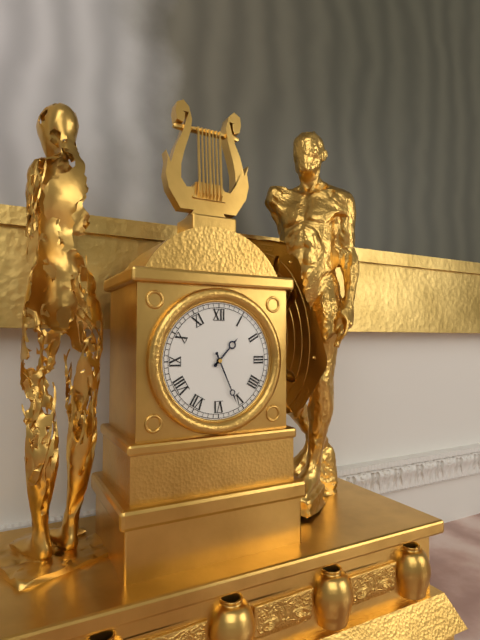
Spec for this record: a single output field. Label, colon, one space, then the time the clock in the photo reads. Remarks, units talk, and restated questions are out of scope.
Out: 1:26
